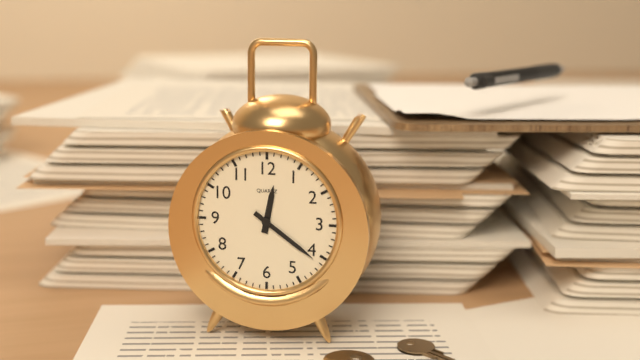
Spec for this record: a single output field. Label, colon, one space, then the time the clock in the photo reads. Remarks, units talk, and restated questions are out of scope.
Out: 12:21
